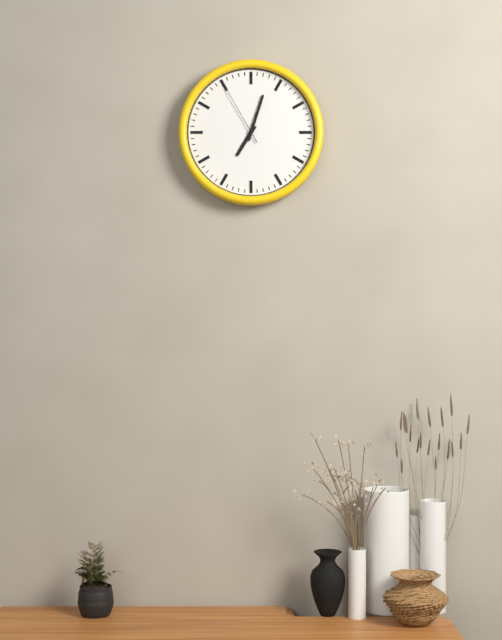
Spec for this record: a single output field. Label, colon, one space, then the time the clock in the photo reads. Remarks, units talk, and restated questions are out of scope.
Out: 7:03:55
